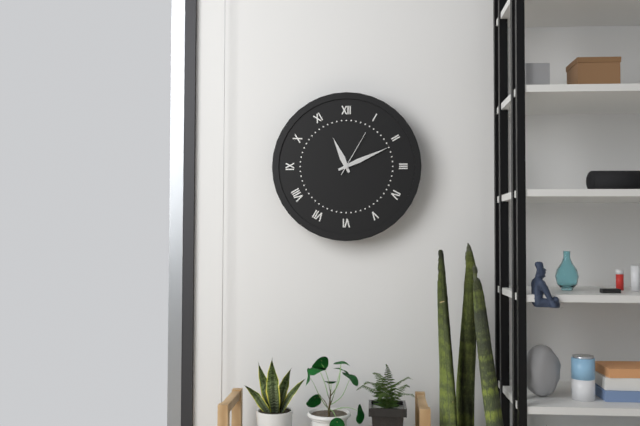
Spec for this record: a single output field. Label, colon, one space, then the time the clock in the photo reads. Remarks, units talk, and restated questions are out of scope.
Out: 11:11
